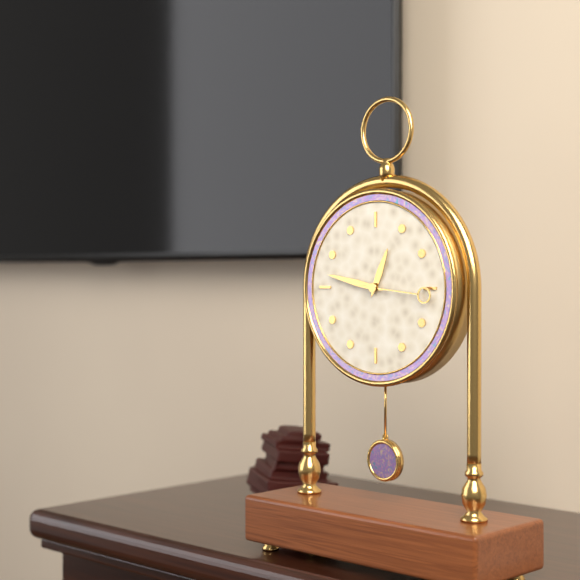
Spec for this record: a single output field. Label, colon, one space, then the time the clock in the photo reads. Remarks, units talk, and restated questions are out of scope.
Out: 12:47:16
